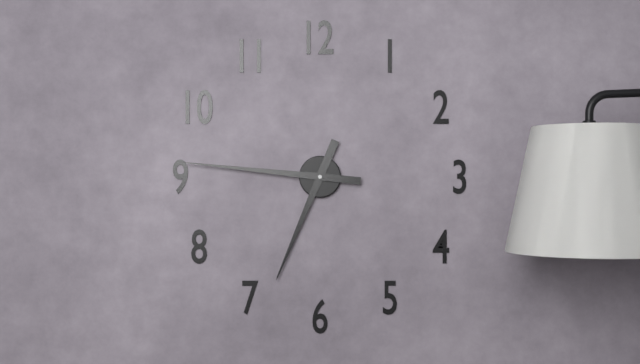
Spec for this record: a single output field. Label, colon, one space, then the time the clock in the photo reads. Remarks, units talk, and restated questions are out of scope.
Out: 6:46
